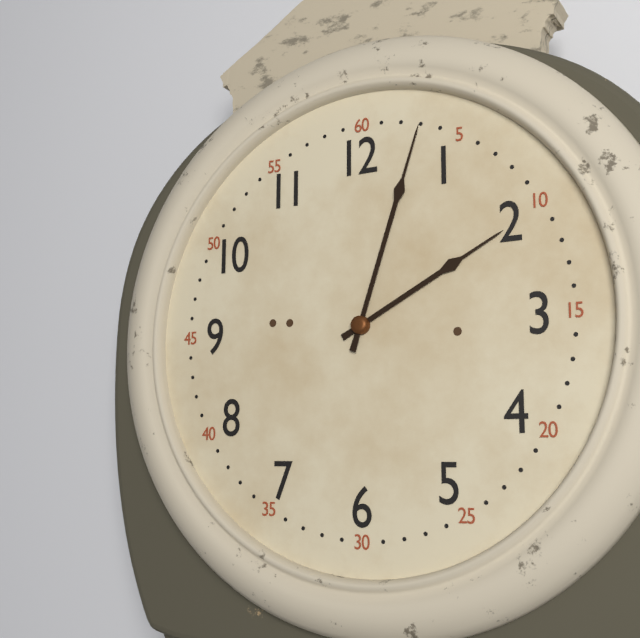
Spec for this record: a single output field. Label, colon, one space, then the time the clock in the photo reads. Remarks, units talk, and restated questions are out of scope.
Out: 2:03
